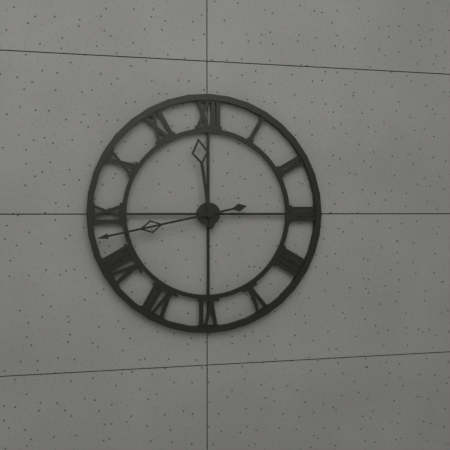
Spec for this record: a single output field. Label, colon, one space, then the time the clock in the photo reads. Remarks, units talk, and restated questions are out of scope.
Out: 11:43
